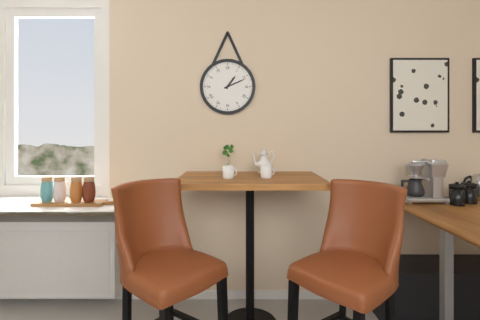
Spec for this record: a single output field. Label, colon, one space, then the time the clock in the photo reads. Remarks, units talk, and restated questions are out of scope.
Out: 1:11
